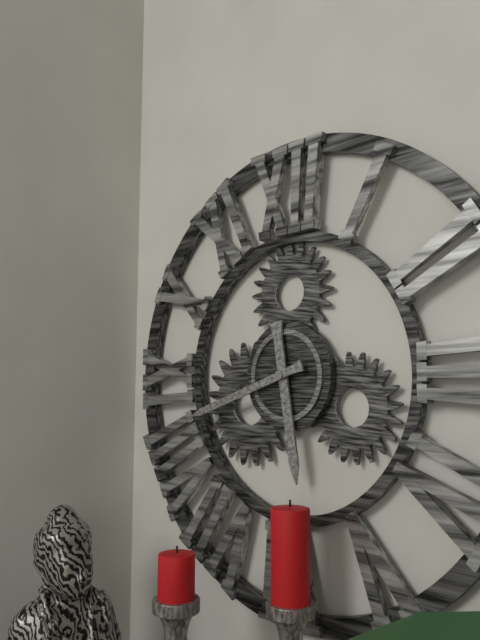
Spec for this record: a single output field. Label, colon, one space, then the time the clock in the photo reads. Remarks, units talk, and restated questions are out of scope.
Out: 5:42
